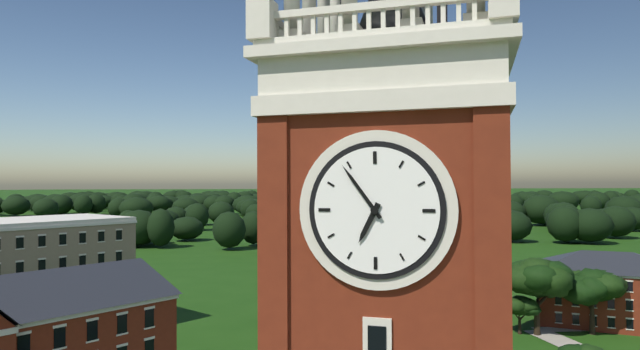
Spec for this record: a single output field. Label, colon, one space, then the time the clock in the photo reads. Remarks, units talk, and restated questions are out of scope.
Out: 6:54
